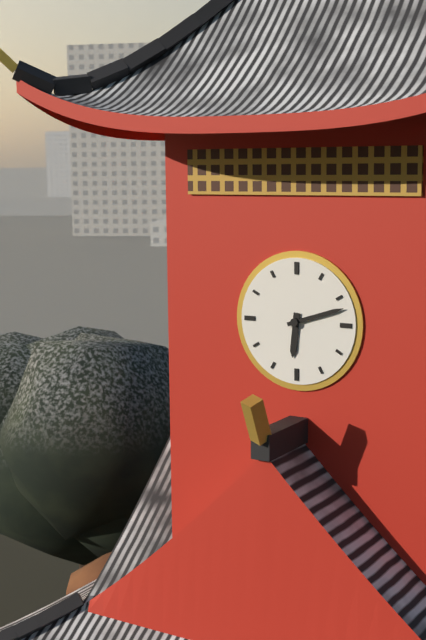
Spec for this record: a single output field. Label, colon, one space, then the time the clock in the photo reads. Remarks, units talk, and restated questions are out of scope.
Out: 6:12
